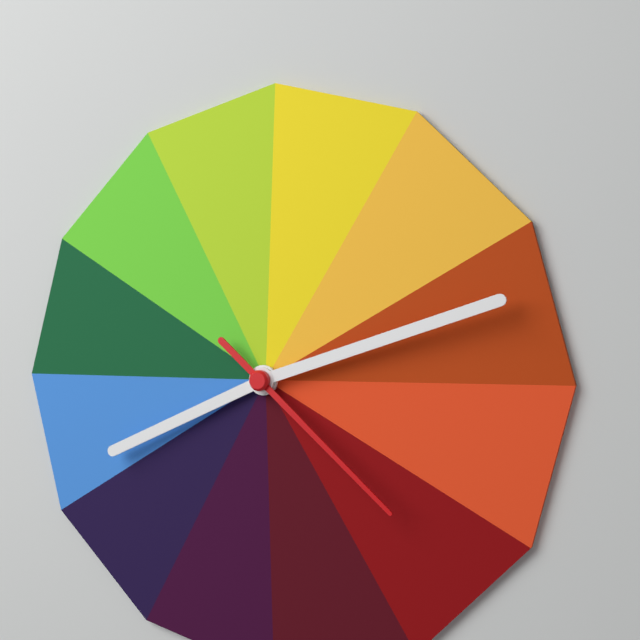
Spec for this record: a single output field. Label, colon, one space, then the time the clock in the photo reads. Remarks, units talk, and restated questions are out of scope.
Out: 8:12:22
